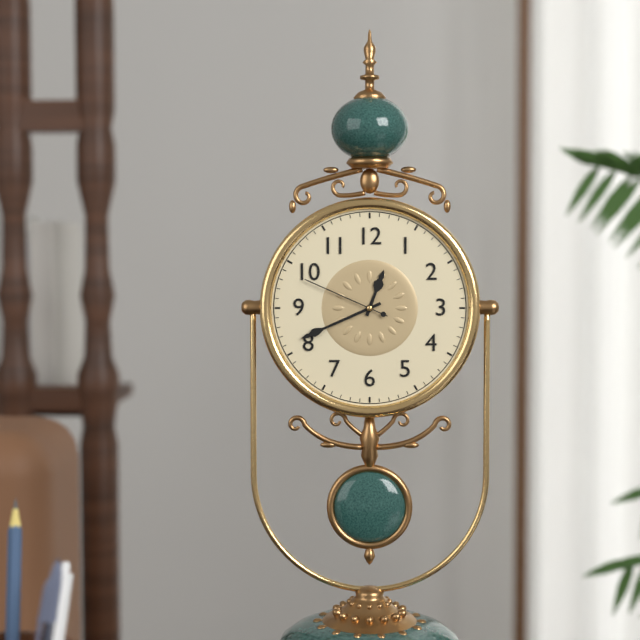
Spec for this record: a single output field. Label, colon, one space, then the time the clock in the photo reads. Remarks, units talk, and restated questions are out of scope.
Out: 12:41:49
